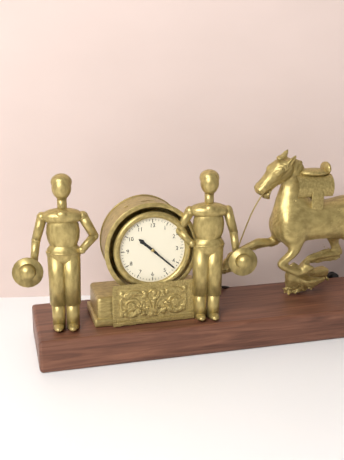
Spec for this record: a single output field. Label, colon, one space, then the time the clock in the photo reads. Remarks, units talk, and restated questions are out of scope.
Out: 10:22
